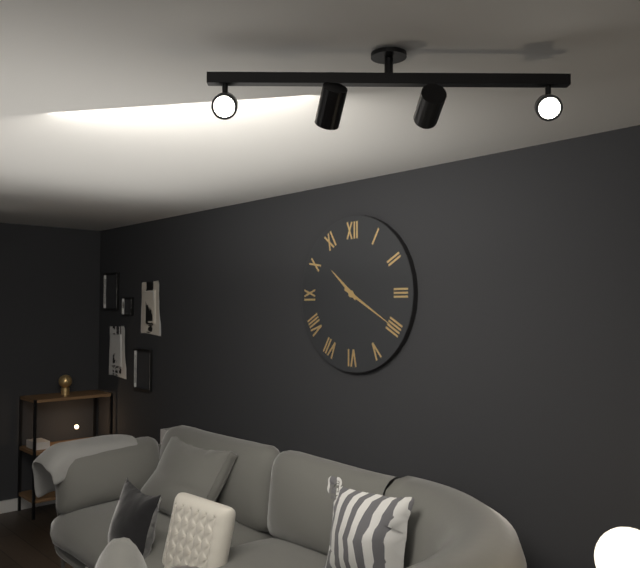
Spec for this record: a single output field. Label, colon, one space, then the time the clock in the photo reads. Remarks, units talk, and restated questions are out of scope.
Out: 10:20
